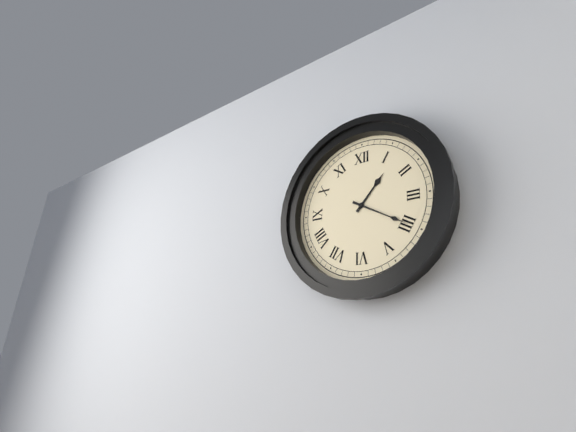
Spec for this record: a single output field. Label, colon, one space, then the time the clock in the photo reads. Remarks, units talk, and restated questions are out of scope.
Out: 1:20
